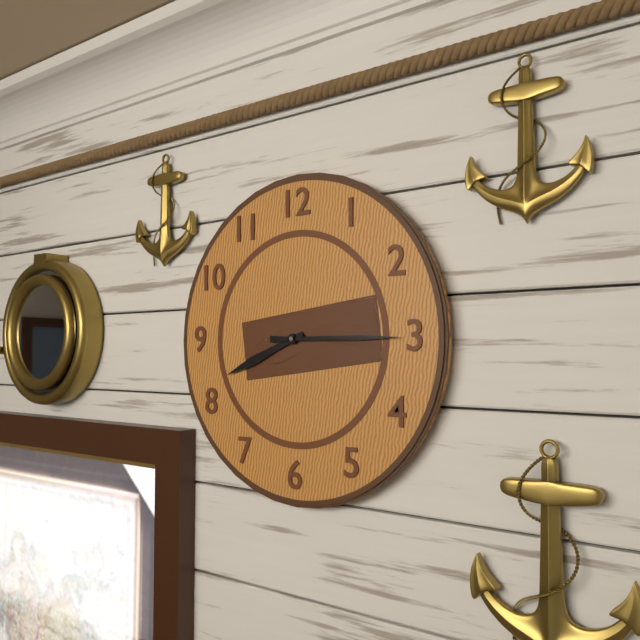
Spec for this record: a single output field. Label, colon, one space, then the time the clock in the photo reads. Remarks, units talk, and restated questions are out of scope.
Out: 8:15
